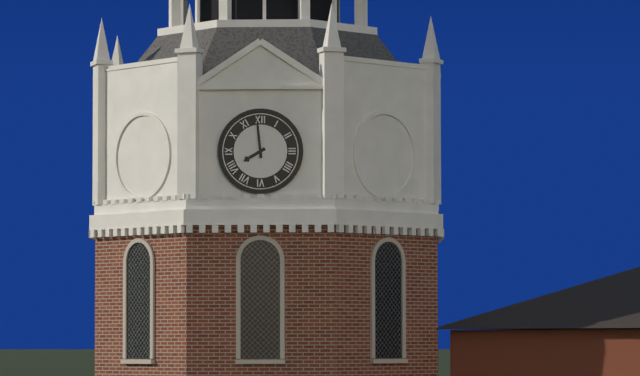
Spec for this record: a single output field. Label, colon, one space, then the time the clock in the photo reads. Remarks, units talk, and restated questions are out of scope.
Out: 7:59
